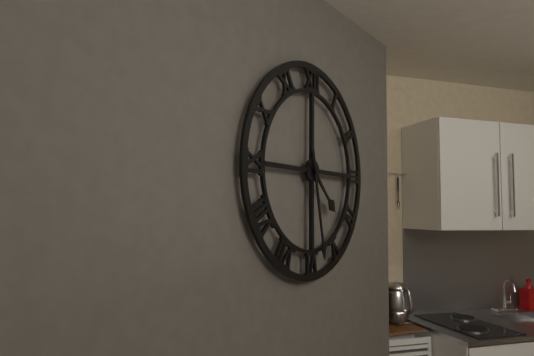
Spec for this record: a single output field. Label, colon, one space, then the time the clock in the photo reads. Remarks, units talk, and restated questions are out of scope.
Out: 4:28
